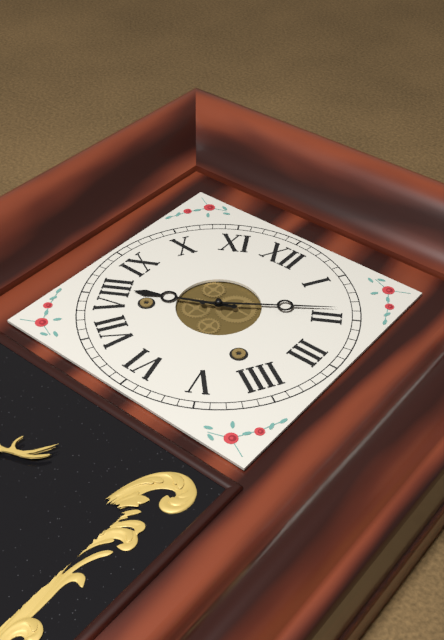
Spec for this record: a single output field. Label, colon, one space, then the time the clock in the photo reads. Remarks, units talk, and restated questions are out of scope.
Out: 8:09
